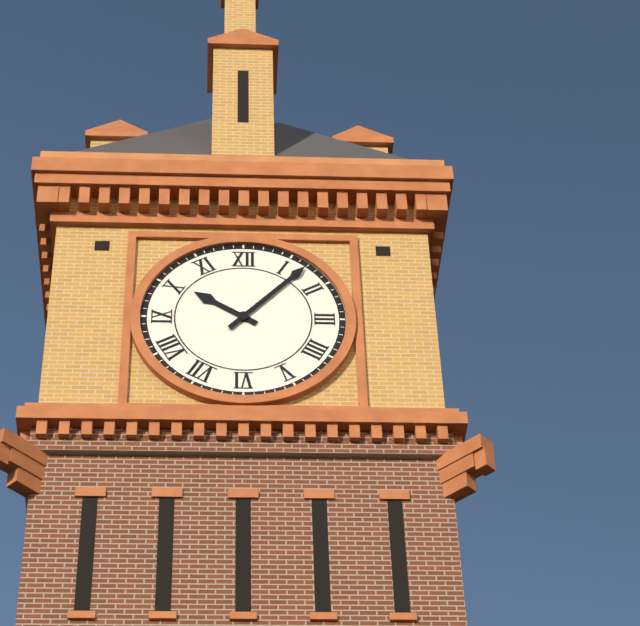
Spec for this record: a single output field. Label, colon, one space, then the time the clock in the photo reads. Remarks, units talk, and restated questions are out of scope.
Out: 10:07
